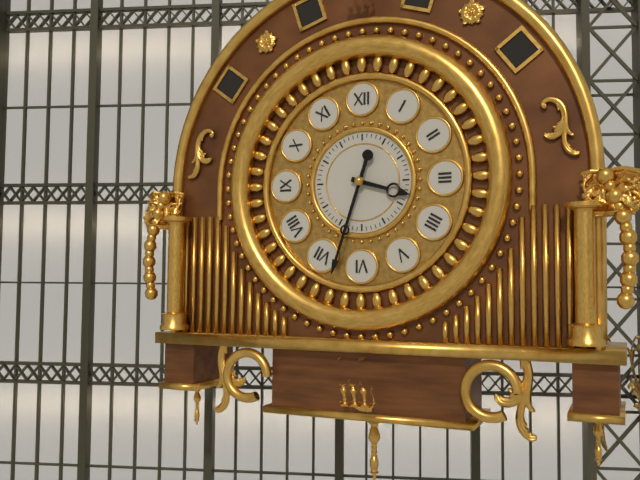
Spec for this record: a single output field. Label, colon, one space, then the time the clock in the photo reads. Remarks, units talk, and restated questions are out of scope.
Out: 3:33
